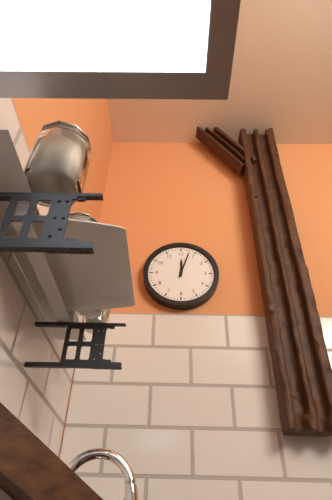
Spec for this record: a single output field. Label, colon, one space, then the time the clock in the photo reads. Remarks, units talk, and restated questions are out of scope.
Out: 12:03
